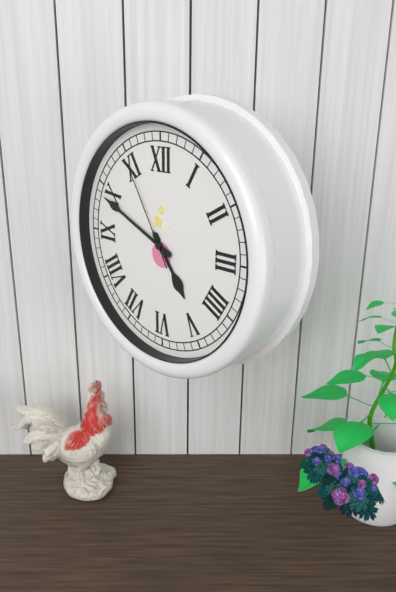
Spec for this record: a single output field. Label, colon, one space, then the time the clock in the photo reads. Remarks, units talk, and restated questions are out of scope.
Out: 4:49:55
